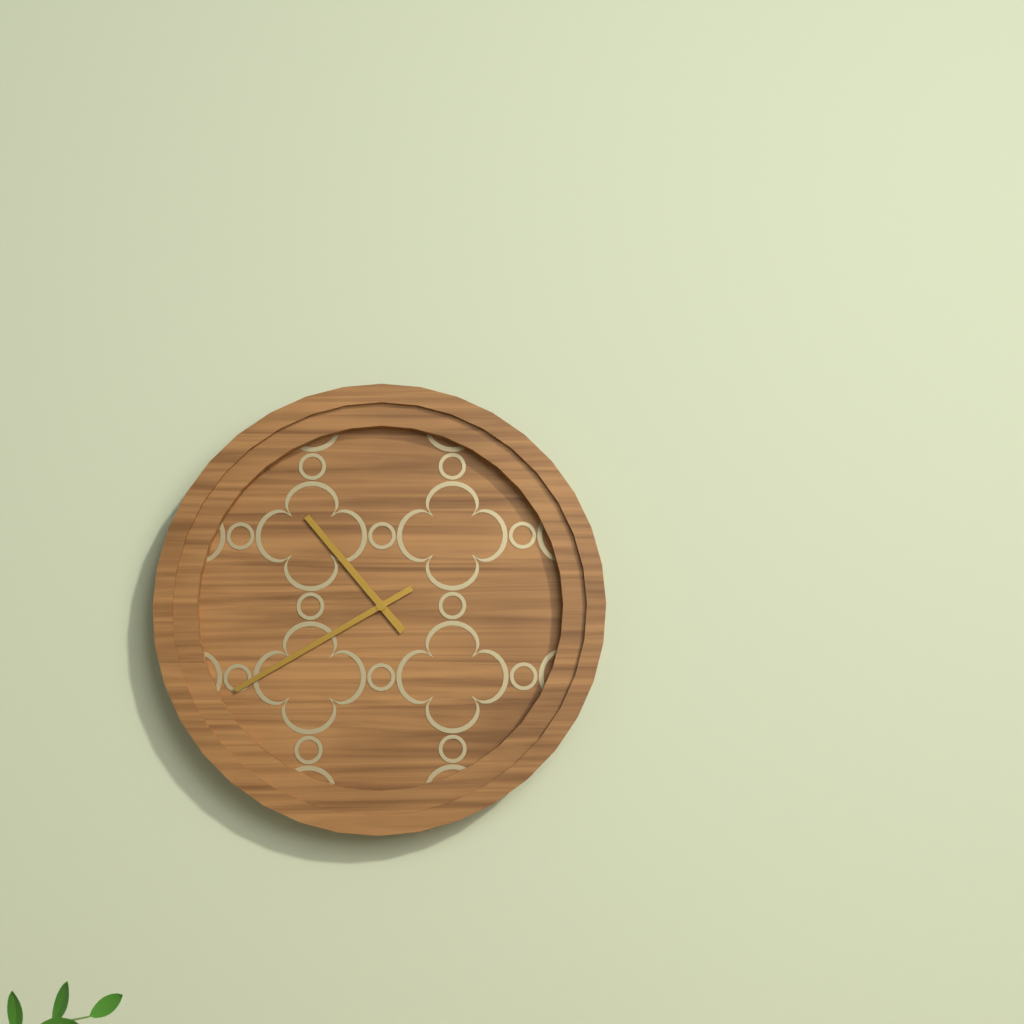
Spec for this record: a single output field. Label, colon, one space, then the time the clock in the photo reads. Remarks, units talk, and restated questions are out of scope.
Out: 10:40
